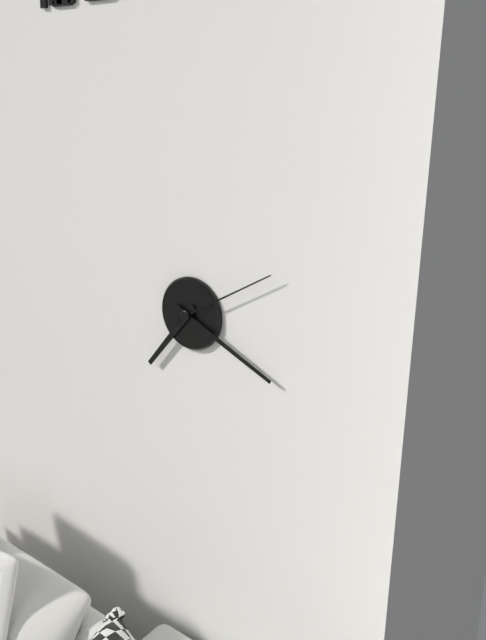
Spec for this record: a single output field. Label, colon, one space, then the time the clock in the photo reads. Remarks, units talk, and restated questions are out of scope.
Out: 7:19:10
